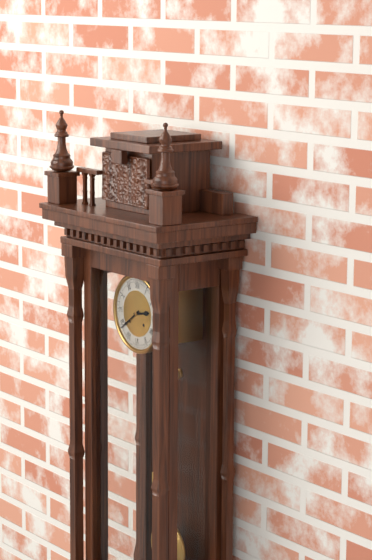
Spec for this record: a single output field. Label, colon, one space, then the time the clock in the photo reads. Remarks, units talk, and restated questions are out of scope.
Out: 2:39
